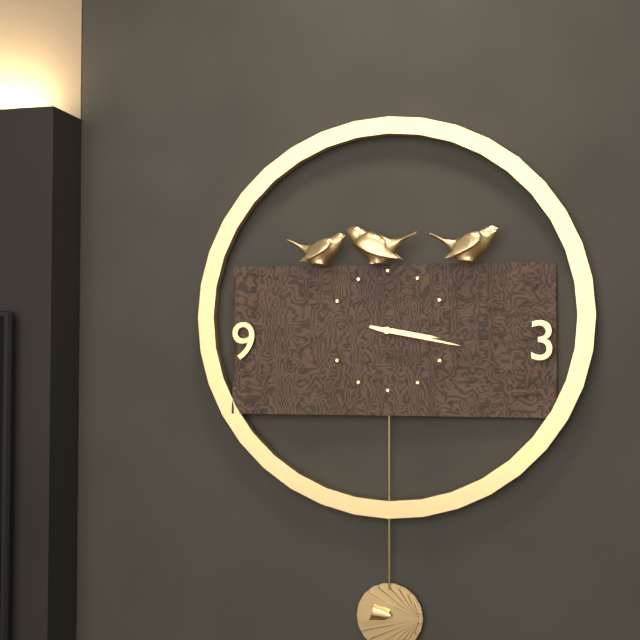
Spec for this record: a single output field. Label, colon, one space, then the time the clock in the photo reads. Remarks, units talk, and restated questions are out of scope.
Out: 3:17
